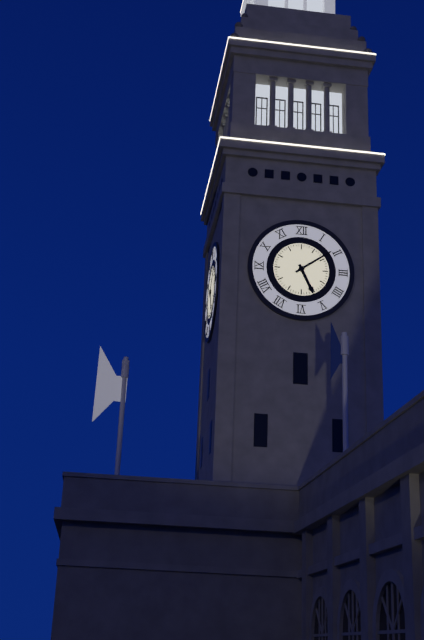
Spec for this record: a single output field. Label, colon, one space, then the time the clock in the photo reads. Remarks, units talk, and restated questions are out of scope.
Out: 5:09
